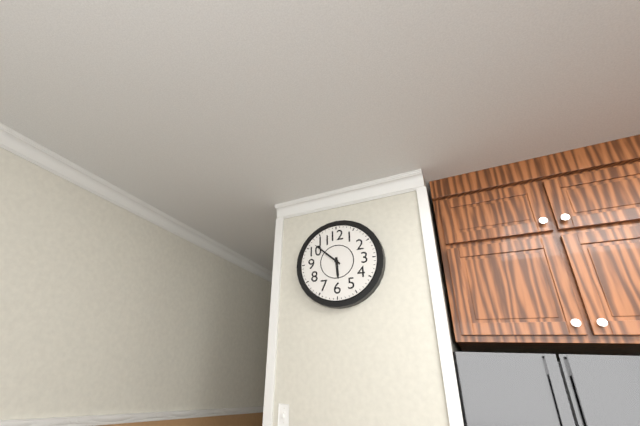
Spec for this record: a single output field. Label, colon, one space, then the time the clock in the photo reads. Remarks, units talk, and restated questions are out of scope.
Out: 5:52
